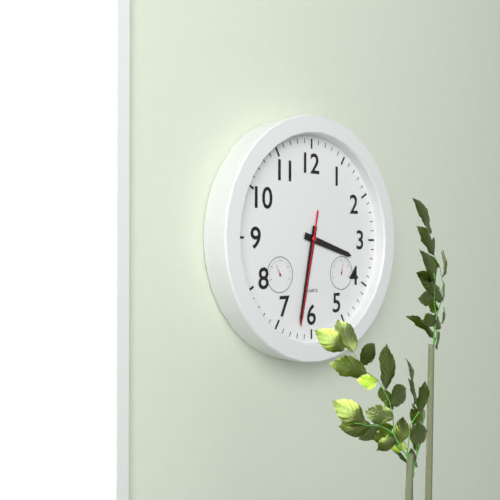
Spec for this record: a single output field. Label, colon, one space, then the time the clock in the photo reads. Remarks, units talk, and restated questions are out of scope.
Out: 3:32:32
